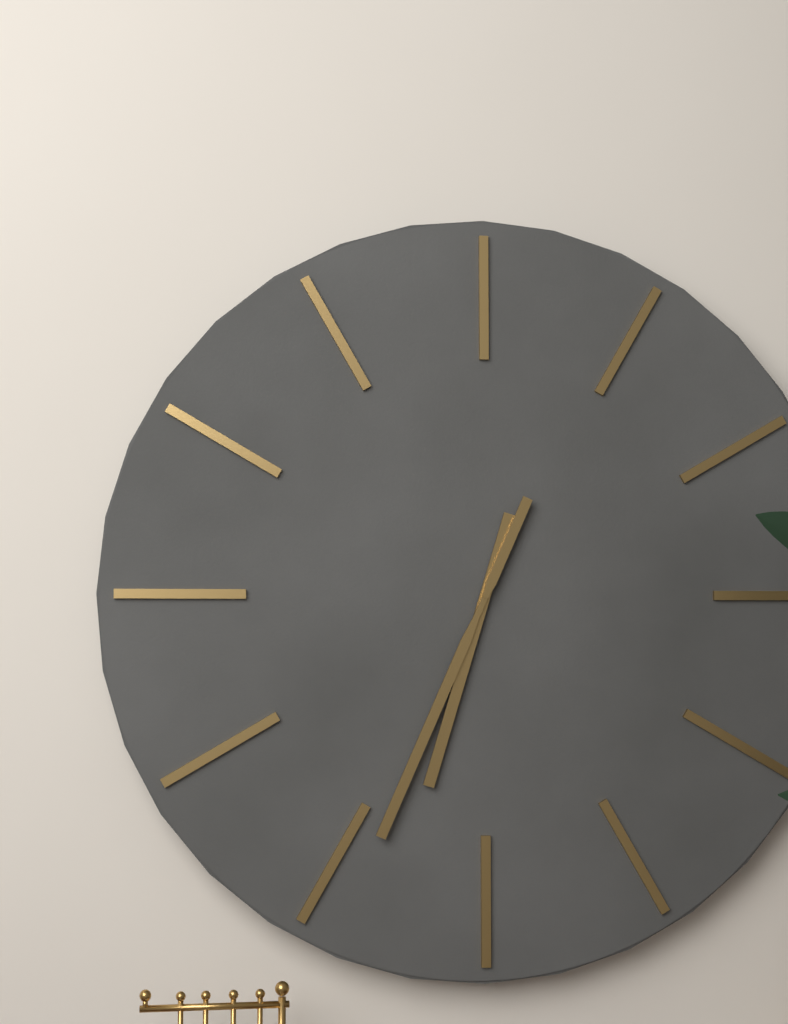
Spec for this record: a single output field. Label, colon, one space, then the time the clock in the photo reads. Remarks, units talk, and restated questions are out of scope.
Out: 6:34
